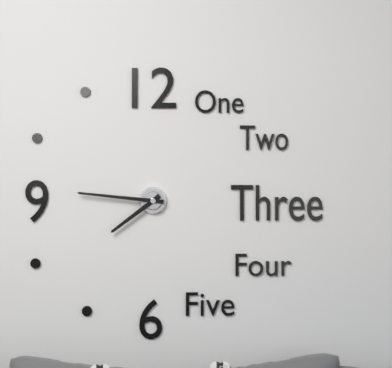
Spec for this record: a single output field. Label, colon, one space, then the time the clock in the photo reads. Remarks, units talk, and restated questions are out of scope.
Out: 7:46
